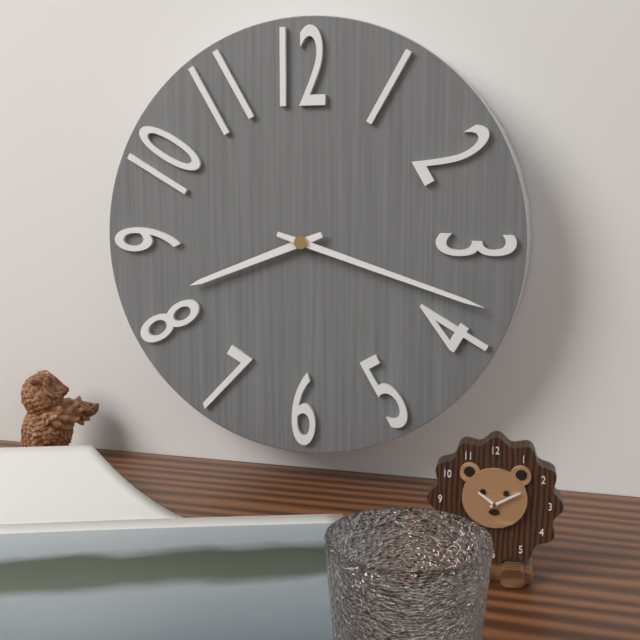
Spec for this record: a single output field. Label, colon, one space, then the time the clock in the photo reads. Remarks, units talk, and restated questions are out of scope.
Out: 8:18
